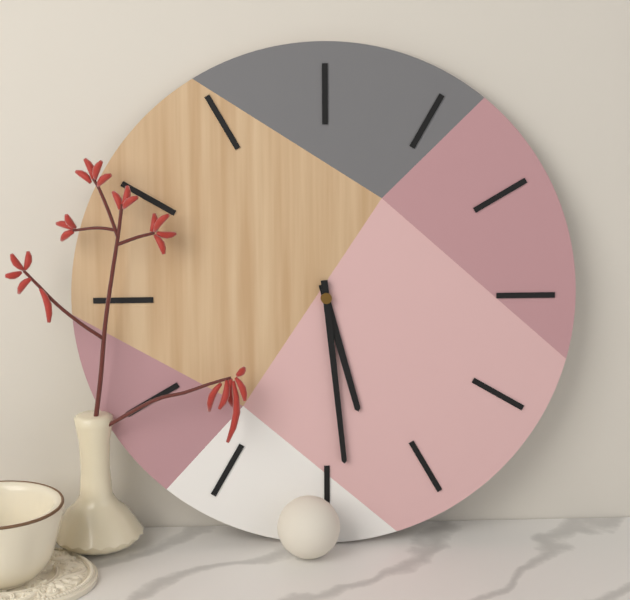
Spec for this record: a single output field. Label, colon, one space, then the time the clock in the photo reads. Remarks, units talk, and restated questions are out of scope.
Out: 5:29
